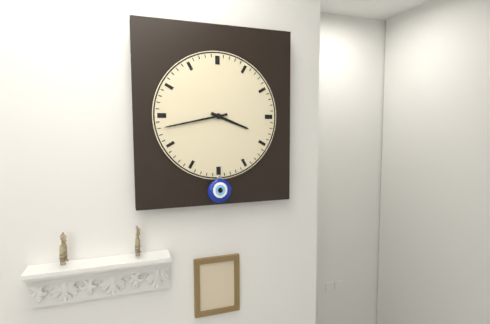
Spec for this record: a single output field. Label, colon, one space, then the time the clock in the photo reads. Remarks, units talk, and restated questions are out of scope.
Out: 3:43
